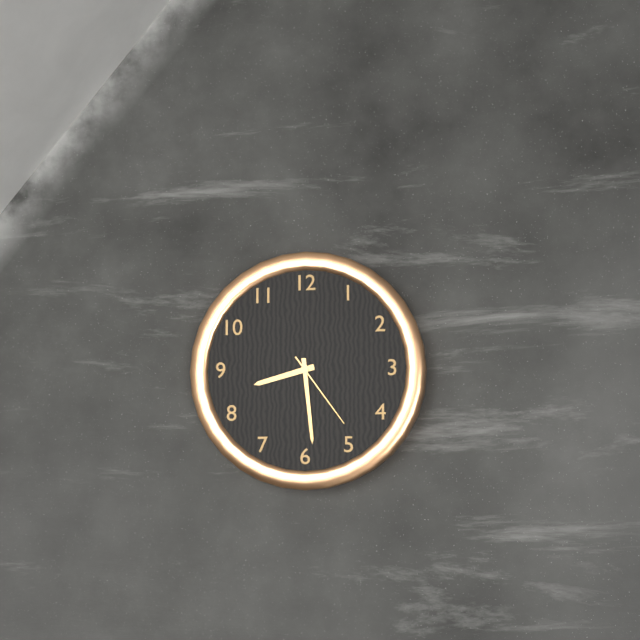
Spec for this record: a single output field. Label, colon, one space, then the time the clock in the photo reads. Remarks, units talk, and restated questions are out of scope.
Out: 8:29:24
